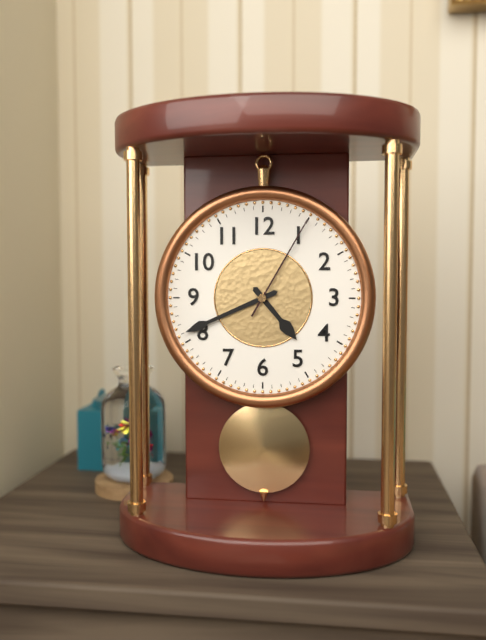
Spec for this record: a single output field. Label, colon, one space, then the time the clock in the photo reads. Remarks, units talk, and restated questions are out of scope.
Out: 4:41:05
